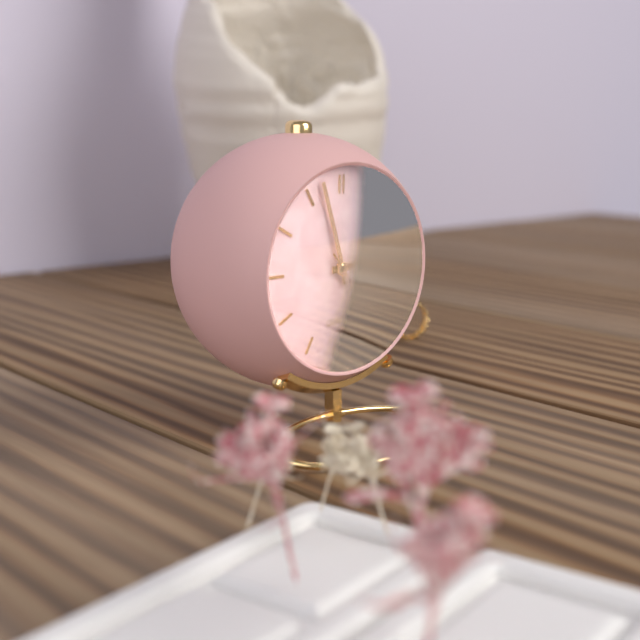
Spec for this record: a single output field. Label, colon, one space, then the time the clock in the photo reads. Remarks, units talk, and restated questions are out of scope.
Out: 2:57:23
